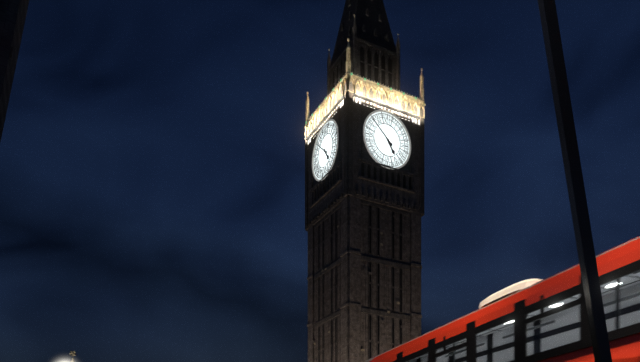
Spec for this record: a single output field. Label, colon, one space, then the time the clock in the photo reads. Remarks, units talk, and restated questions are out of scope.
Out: 4:52
